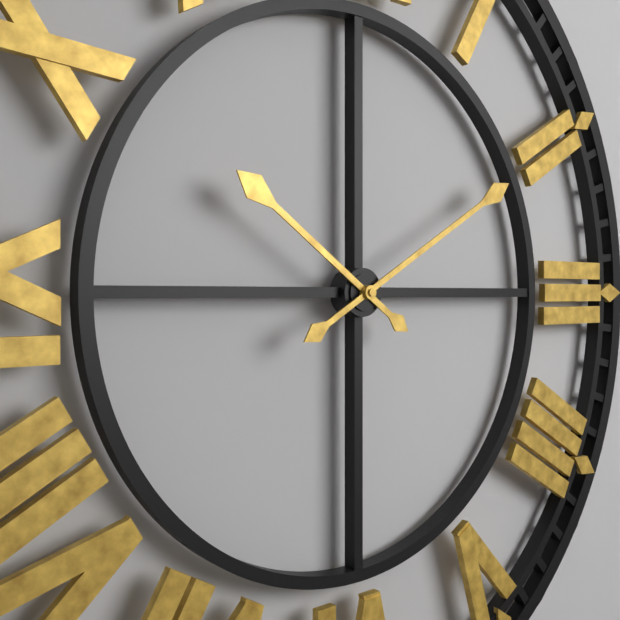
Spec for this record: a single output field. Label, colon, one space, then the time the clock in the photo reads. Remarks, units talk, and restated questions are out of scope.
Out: 10:10
